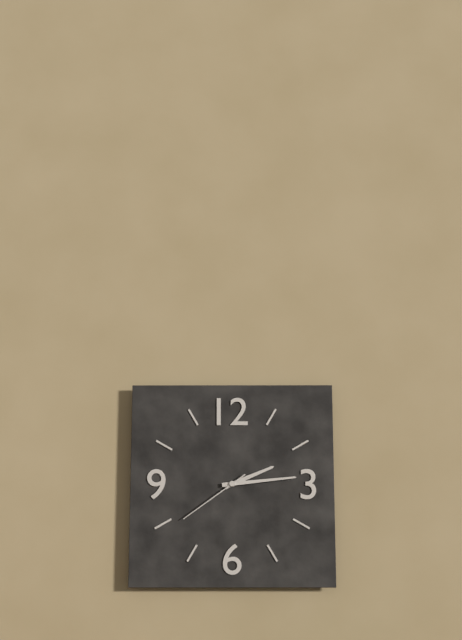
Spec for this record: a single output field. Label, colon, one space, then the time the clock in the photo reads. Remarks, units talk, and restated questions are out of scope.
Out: 2:14:39
